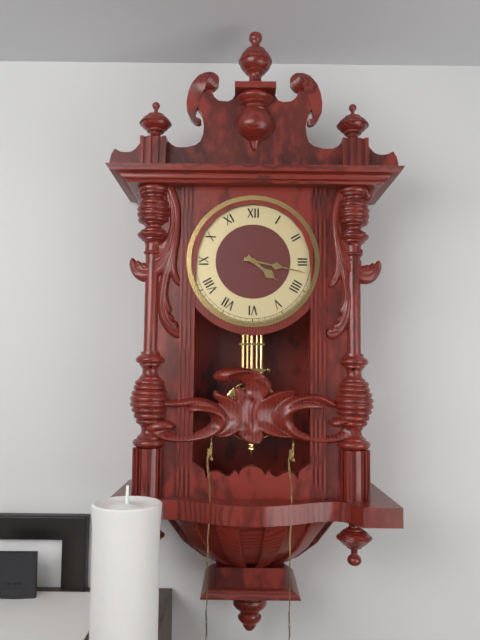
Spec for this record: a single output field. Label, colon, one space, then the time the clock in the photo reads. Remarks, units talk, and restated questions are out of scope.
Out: 4:17
